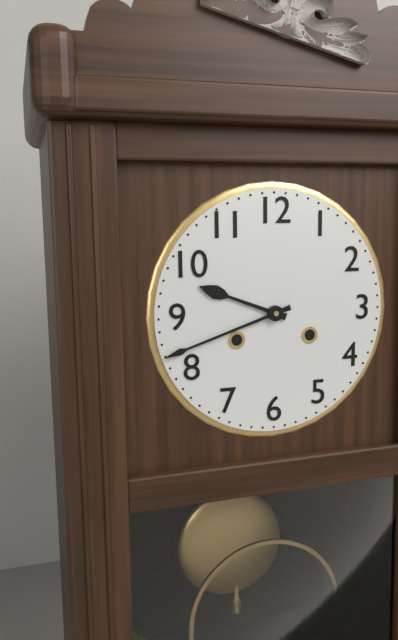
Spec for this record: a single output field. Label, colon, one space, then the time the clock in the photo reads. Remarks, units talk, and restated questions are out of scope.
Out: 9:42
